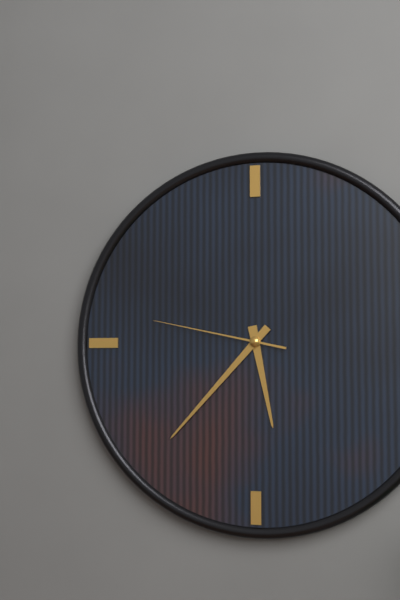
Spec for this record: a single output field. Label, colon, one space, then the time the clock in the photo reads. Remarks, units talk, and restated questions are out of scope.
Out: 5:37:47
